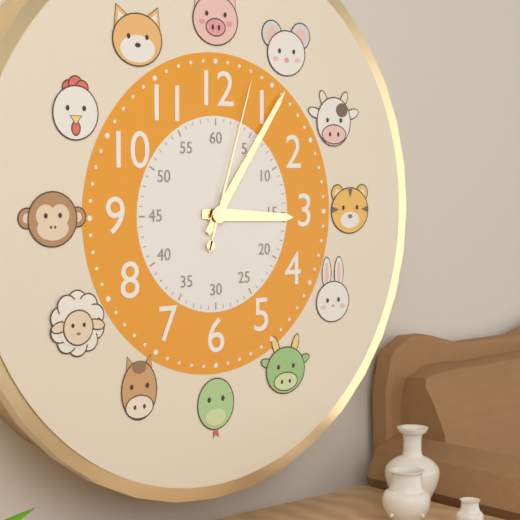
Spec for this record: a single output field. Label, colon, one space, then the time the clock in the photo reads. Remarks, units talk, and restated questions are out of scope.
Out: 3:06:03
